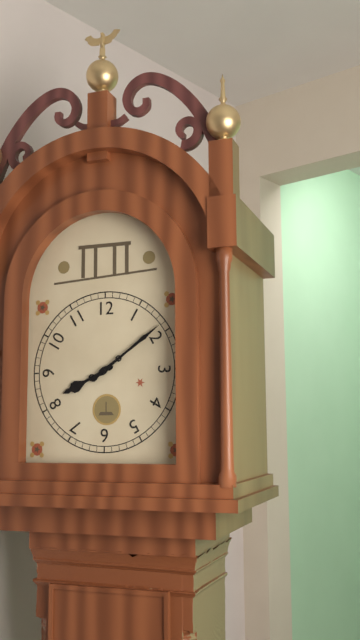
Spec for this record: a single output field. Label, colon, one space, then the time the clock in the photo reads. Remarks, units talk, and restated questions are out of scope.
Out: 8:09
